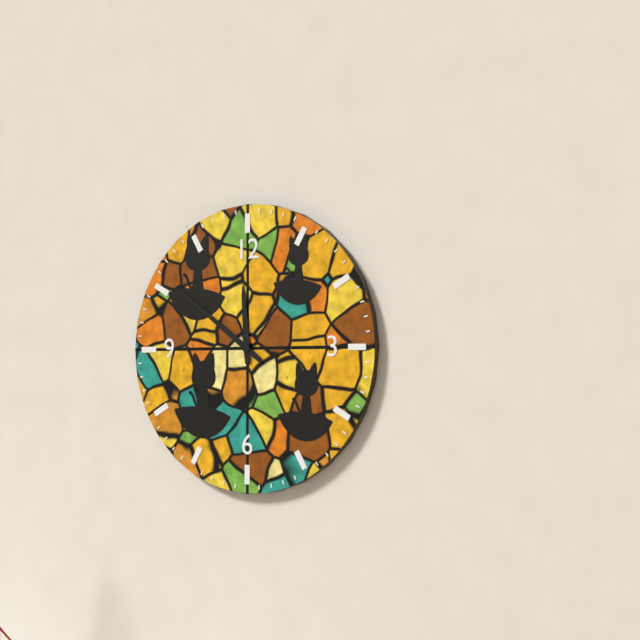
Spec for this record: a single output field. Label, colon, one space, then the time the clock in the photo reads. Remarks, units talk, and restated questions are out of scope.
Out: 11:51
